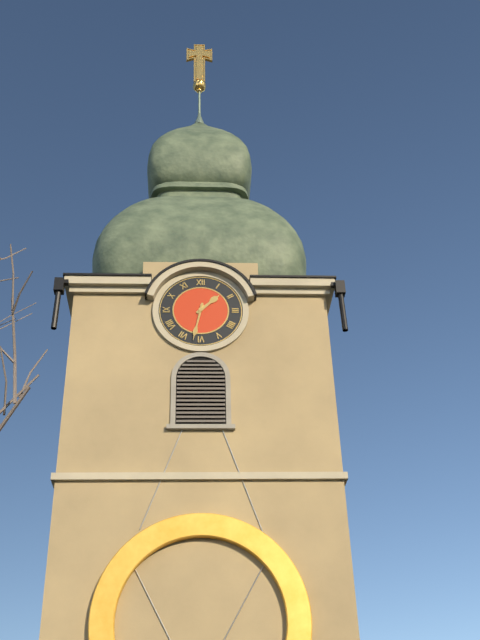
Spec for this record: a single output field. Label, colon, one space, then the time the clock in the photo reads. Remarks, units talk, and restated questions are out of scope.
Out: 1:32
